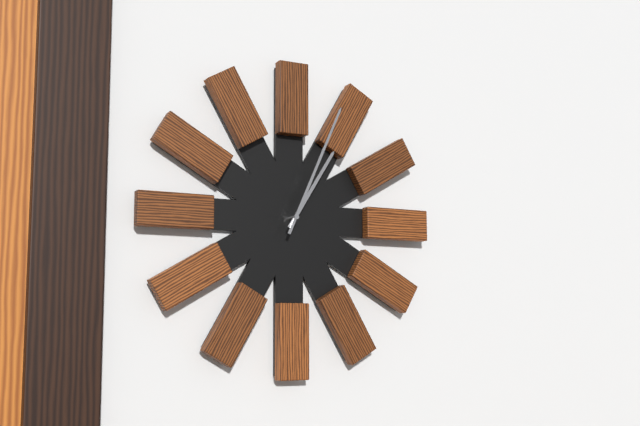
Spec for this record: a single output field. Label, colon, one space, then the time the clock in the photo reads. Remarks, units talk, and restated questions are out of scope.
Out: 1:04
